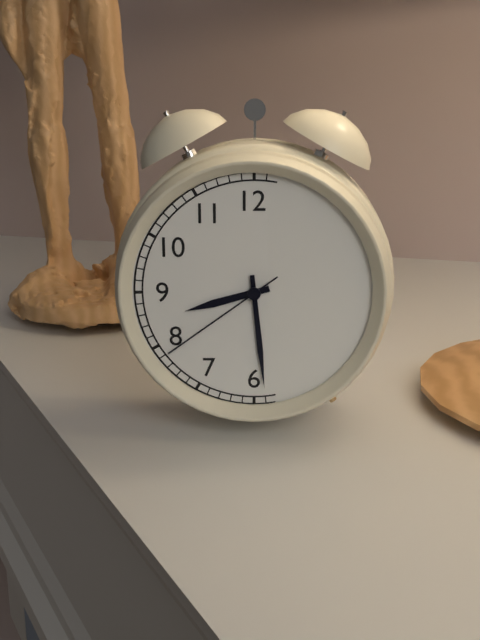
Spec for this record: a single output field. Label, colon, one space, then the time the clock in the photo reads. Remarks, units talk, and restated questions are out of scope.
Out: 8:29:39
